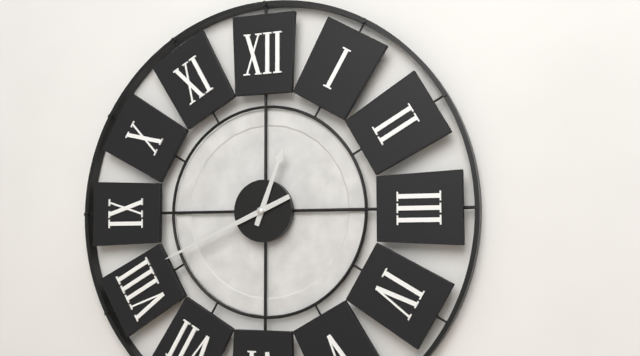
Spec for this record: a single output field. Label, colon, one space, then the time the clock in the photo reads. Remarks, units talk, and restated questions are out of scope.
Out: 12:41
